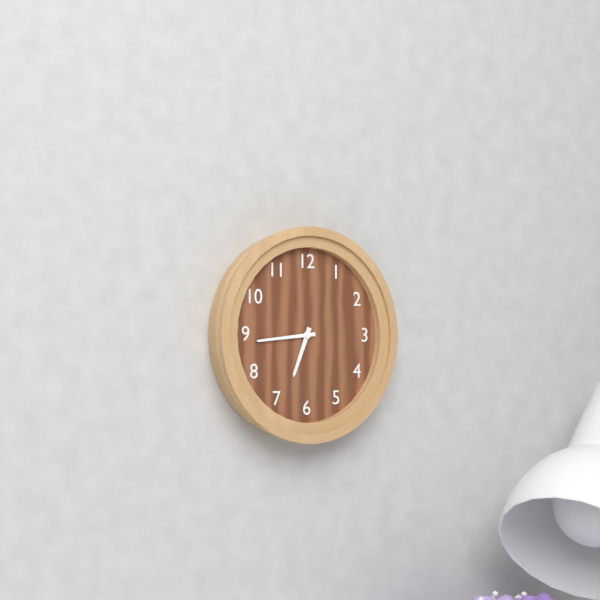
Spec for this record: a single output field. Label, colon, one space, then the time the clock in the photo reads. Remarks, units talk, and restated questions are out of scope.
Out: 6:44
